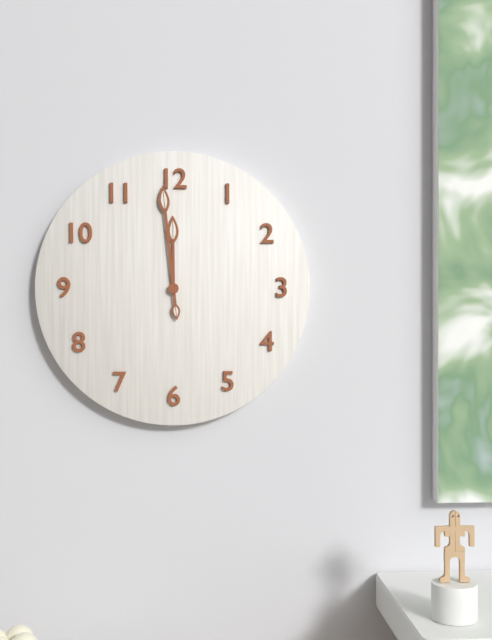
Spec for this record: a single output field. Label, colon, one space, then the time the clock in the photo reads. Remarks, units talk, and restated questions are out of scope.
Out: 11:59
